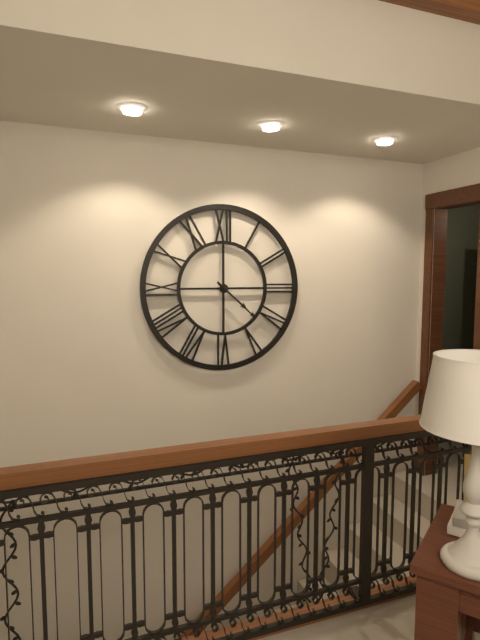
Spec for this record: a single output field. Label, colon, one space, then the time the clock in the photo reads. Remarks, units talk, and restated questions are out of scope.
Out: 4:22
